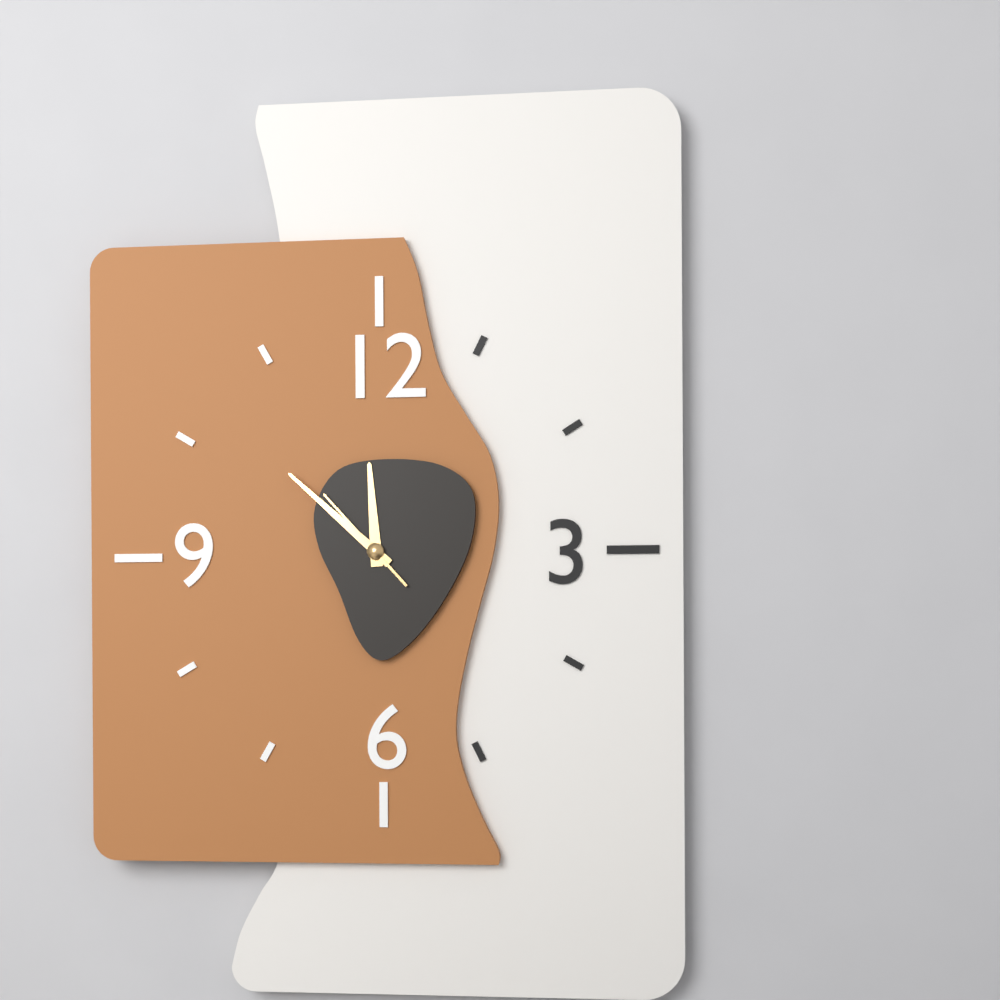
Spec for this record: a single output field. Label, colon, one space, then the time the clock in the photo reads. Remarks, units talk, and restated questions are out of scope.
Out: 11:52:53
